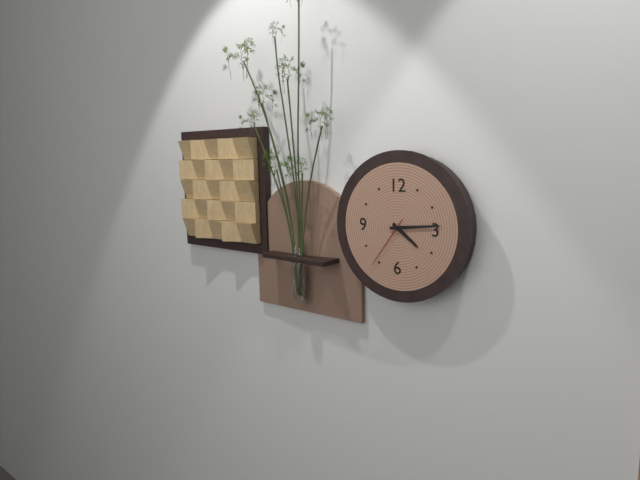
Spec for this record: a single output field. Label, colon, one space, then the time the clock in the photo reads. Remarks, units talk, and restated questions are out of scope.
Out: 4:14:36
